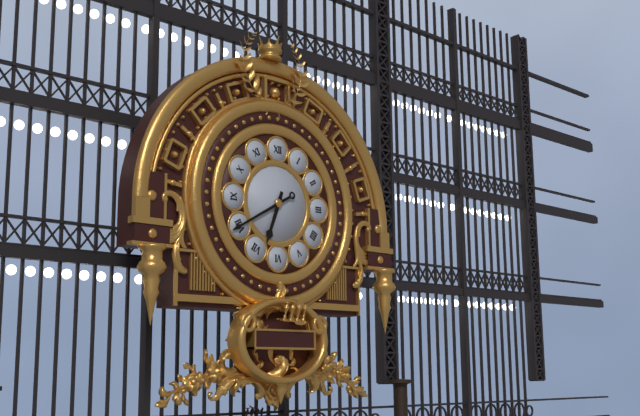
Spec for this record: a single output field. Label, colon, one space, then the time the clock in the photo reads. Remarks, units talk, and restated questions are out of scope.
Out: 6:40
